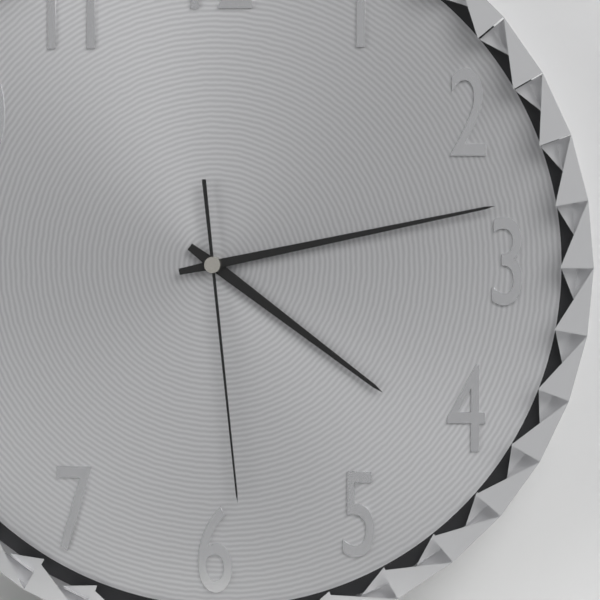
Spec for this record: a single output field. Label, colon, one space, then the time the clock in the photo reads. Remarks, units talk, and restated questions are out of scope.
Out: 4:13:29
